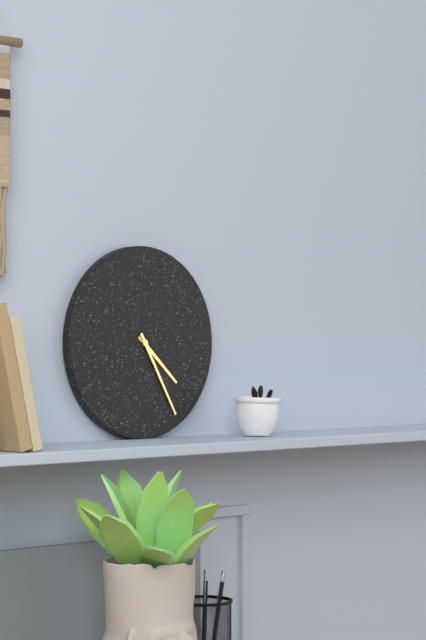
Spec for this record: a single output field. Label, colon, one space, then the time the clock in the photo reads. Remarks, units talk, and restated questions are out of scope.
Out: 4:25
